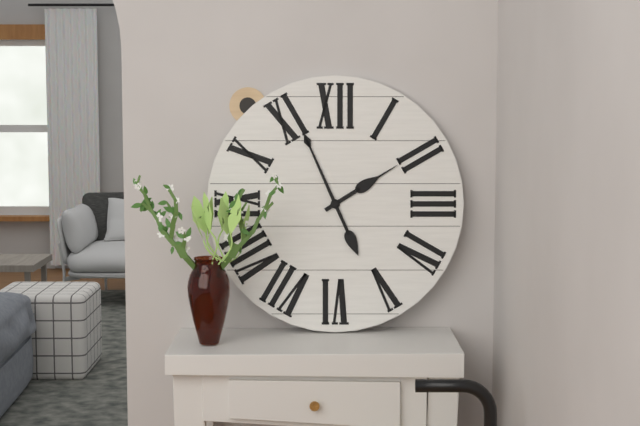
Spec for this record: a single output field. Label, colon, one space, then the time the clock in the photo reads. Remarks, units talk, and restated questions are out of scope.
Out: 1:56
